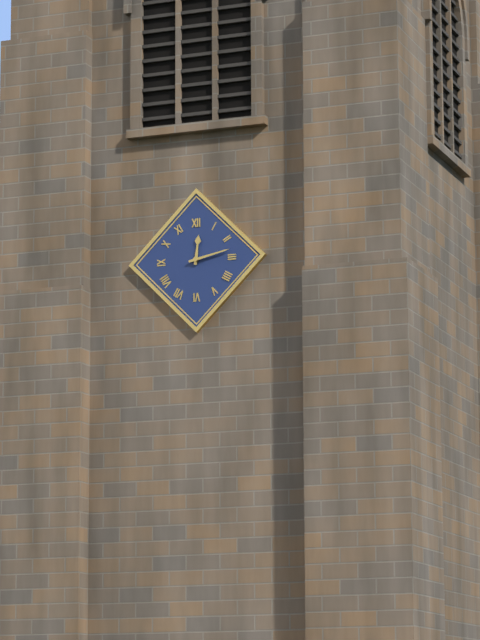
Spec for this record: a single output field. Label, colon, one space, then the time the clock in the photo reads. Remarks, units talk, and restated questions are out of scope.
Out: 12:13
